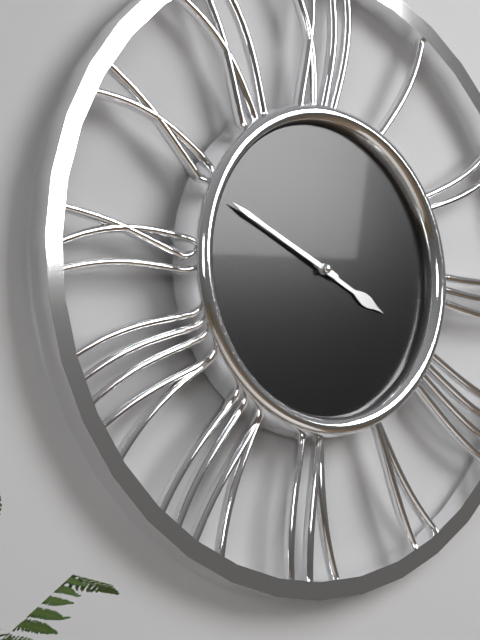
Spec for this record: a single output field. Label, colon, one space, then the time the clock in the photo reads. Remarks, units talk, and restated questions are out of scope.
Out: 3:49
